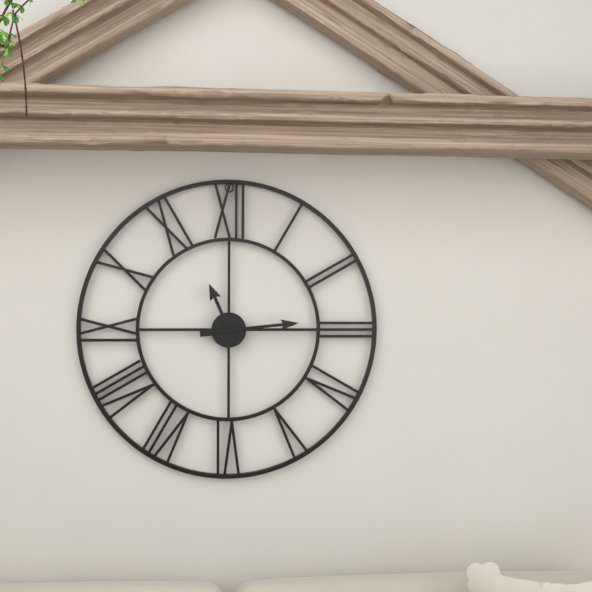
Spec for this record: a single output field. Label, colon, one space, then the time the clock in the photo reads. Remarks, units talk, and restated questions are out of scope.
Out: 11:14
